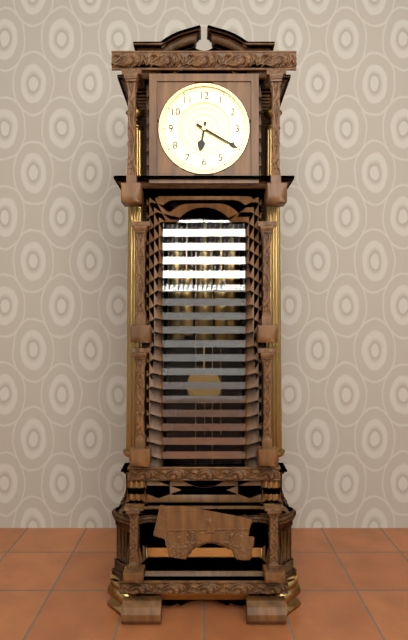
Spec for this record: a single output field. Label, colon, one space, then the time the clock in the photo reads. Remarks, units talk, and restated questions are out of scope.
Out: 6:20
